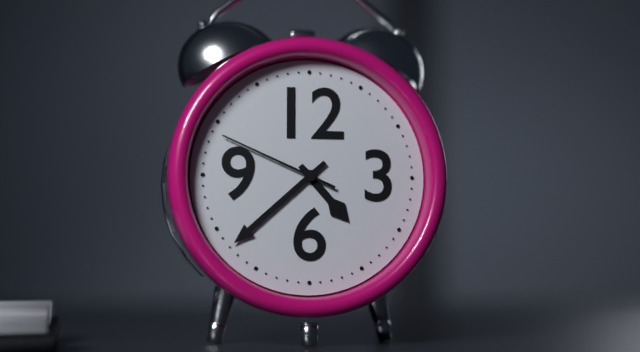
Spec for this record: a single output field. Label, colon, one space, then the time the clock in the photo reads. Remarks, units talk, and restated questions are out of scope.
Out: 4:38:49
